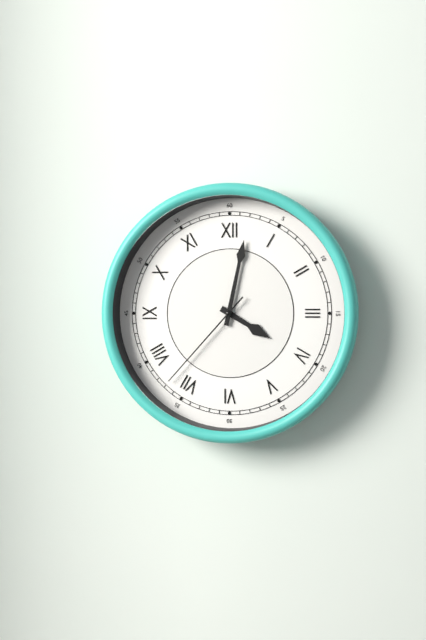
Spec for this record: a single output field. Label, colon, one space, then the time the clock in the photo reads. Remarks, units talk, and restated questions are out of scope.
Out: 4:02:37
